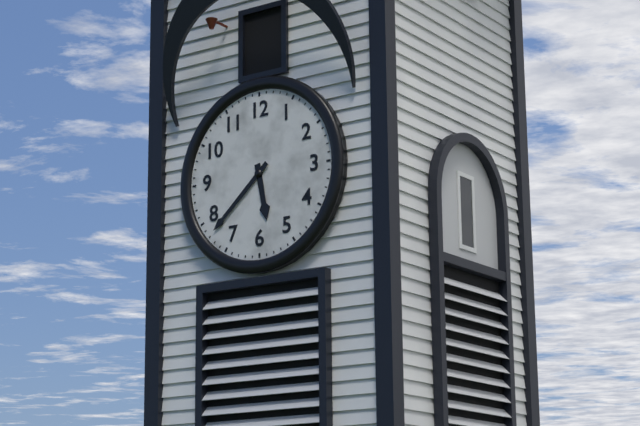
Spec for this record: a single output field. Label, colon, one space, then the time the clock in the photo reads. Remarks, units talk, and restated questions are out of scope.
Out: 5:38
